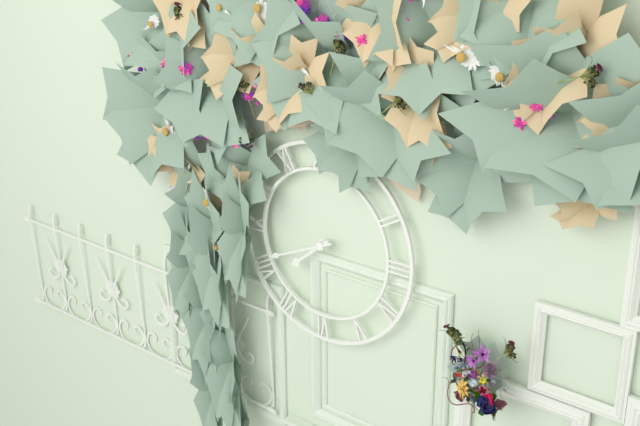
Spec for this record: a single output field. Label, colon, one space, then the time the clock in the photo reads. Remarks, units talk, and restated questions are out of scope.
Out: 7:41
